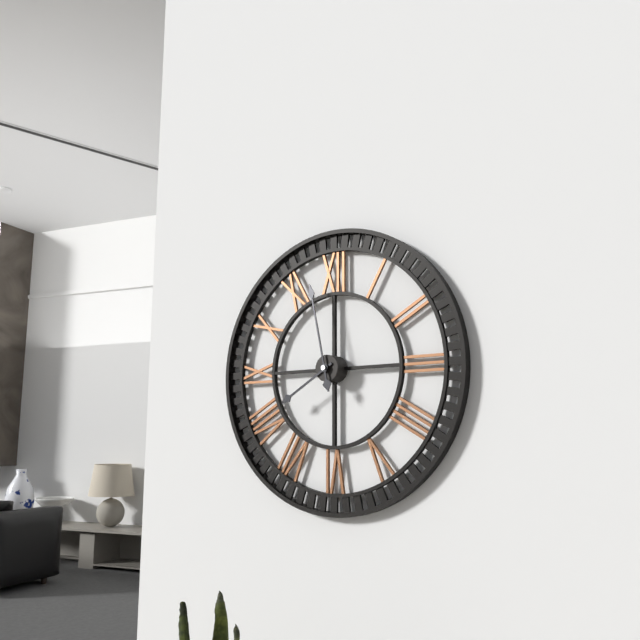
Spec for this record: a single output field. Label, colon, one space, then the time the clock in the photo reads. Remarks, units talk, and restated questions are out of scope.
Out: 7:58
